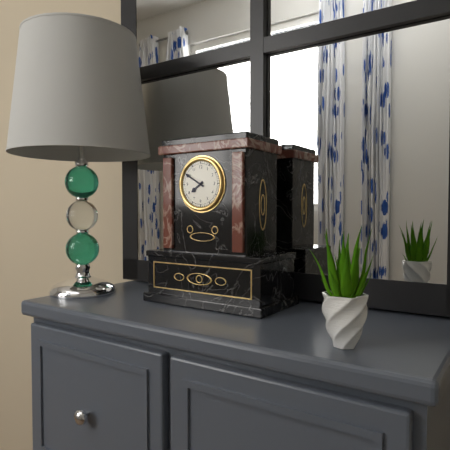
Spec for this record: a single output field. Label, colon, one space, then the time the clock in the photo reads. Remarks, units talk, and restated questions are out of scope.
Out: 7:50
